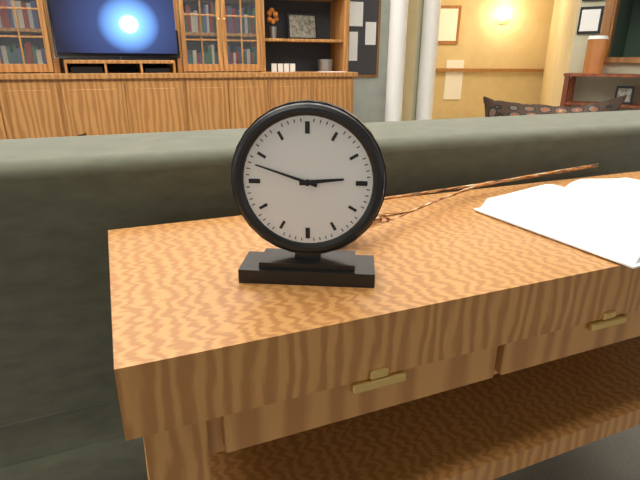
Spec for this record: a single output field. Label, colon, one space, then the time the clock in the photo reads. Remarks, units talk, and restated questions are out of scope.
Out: 2:48
